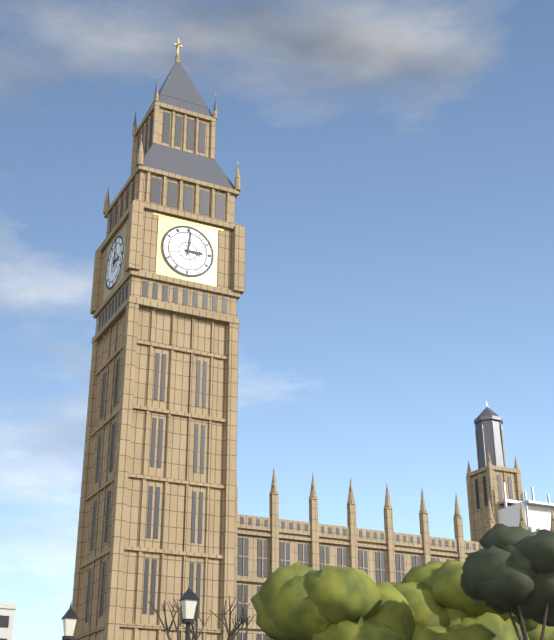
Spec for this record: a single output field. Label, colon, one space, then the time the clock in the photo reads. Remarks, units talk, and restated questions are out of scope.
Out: 3:01
